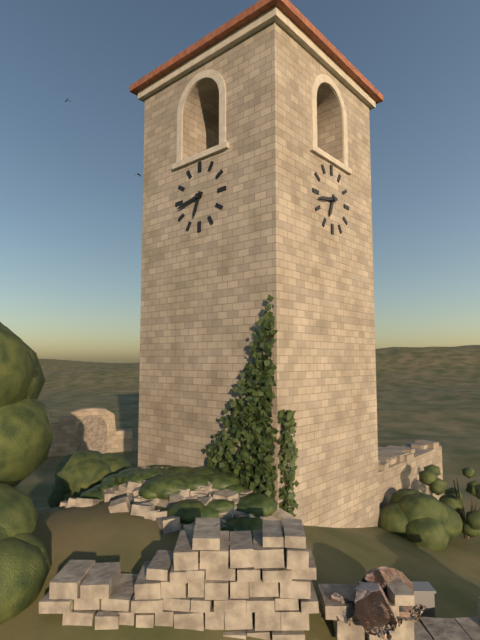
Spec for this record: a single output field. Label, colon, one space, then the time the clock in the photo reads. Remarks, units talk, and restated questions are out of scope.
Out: 6:43
